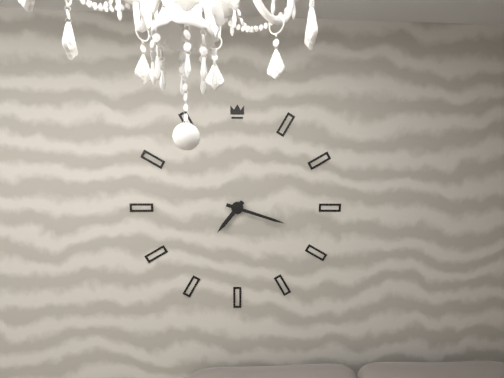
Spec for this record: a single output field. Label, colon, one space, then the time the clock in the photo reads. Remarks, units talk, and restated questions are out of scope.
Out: 7:18
